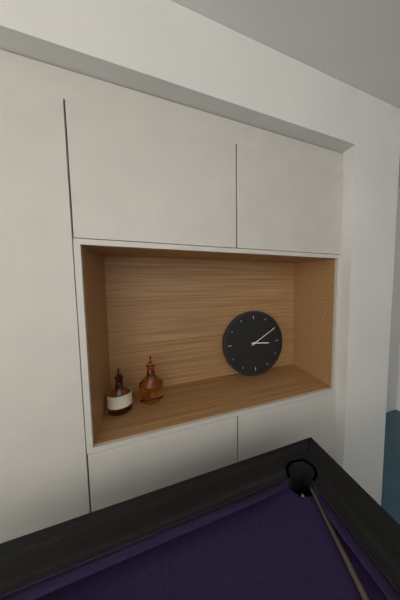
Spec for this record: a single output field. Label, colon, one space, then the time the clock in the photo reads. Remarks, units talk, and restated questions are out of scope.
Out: 3:10
